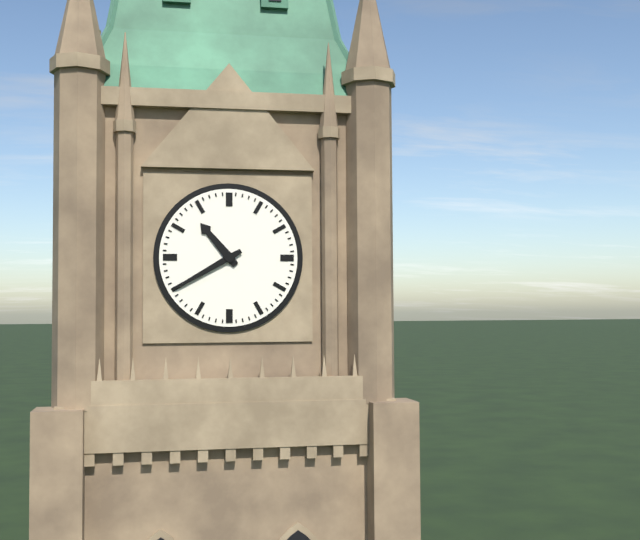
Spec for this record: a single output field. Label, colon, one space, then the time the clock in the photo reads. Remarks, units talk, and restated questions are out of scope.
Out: 10:40
